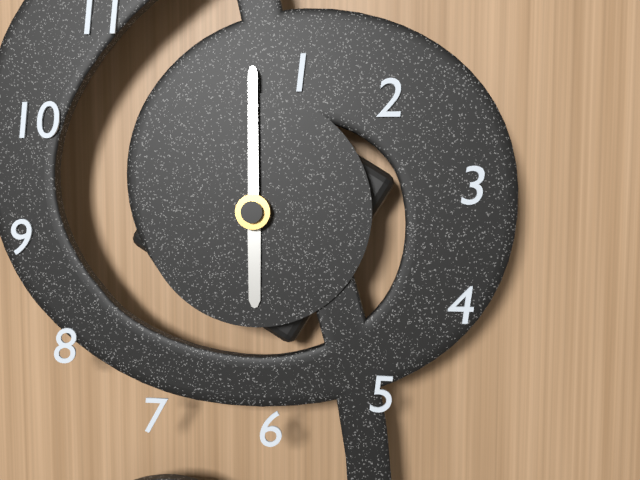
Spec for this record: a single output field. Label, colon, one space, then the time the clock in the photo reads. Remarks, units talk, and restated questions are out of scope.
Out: 6:00
